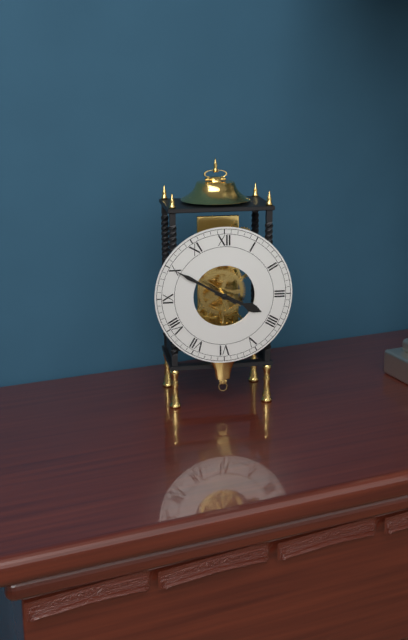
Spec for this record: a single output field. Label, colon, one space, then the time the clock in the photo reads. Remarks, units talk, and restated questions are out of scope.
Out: 3:50
